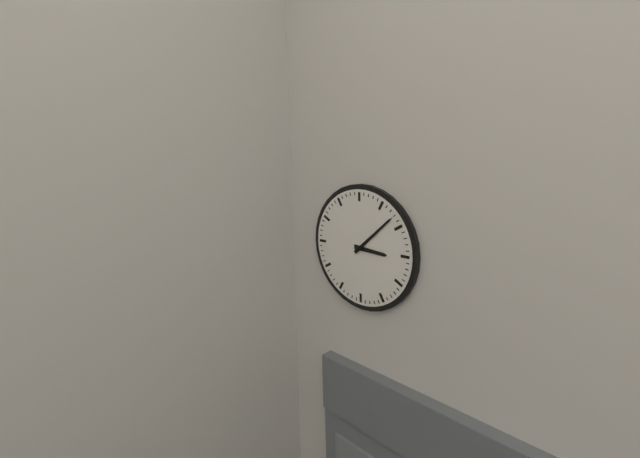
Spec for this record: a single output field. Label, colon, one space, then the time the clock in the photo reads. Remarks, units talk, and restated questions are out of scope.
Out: 3:08
